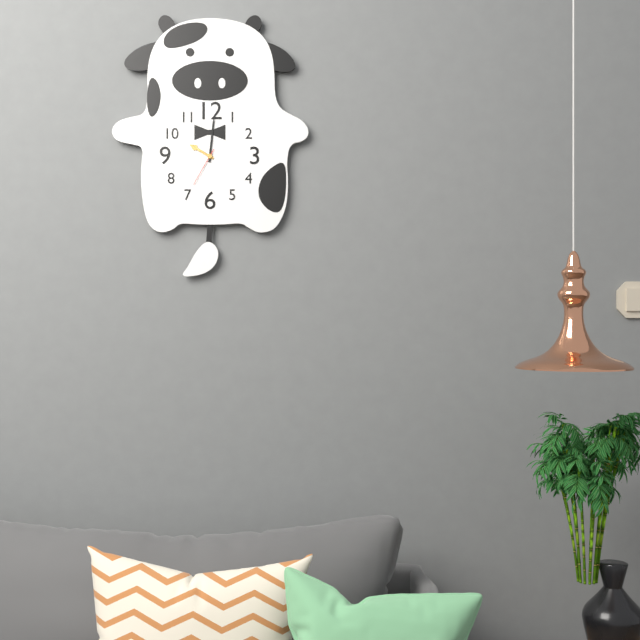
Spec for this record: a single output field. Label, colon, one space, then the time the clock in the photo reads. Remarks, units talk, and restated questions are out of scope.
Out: 10:01
